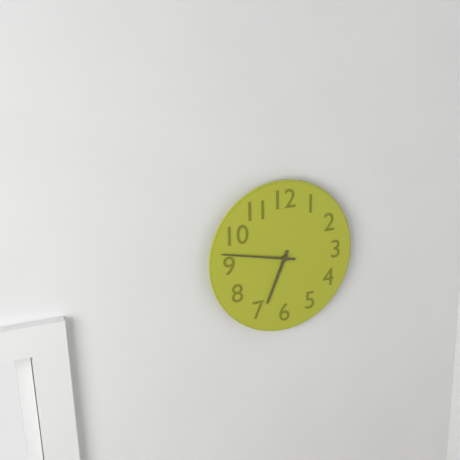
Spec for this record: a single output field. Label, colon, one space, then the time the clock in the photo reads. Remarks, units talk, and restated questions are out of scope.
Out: 6:47
